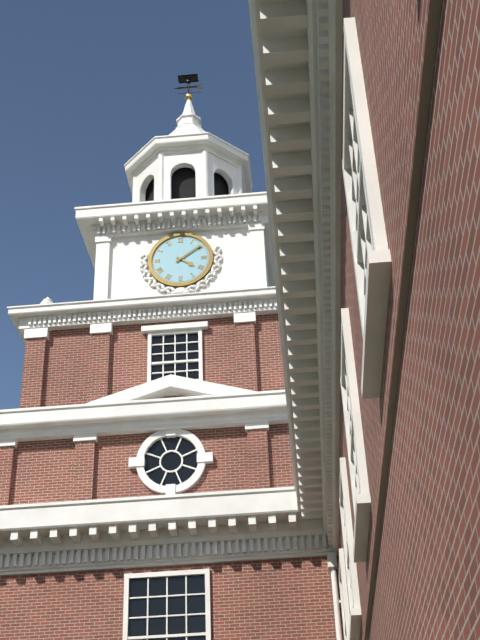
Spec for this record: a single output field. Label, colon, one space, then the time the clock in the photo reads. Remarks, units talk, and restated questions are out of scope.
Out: 4:09
